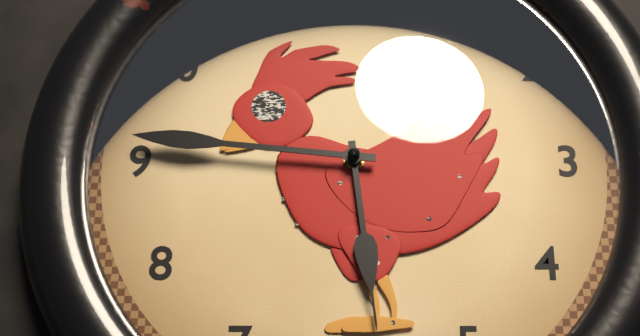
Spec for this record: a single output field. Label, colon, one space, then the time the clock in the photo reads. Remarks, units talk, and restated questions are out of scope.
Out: 5:46
